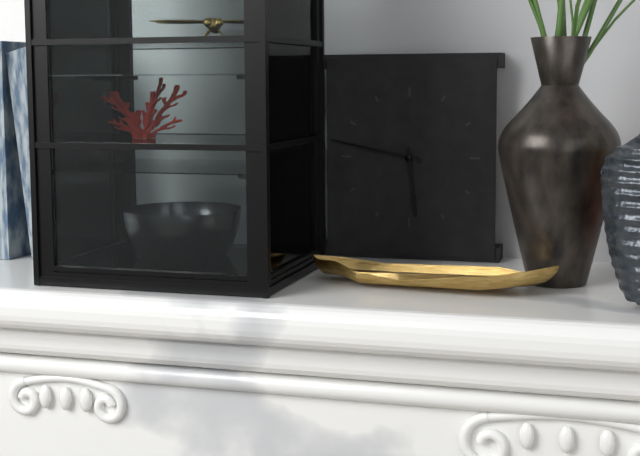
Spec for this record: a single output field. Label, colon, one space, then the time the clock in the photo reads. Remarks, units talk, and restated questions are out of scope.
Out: 5:47
